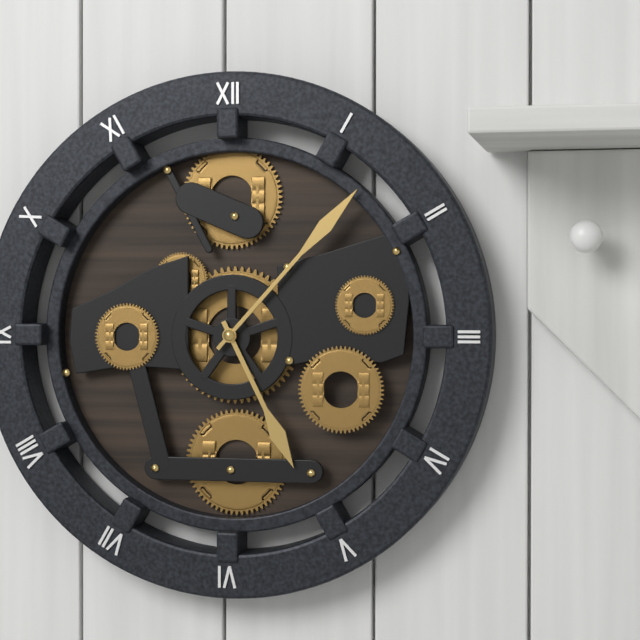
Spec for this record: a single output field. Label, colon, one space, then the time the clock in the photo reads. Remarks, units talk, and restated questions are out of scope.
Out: 5:07
